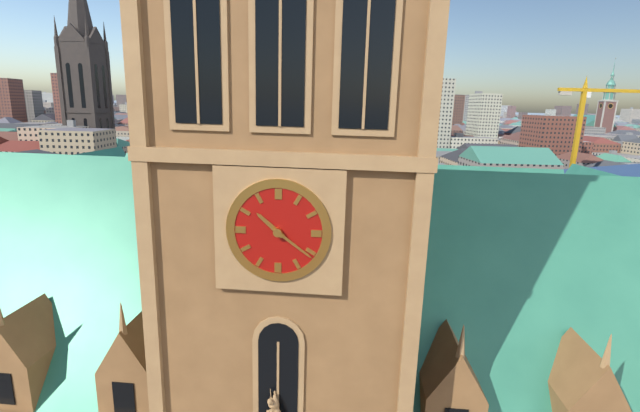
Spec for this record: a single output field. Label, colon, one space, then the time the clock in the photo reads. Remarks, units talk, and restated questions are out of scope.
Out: 10:21
